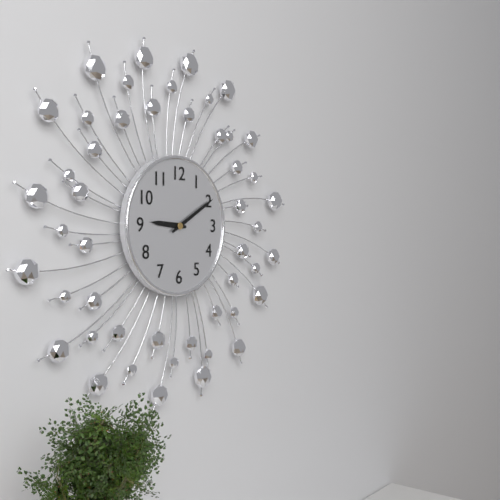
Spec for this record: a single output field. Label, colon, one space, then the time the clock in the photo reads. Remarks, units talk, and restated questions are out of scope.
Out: 9:10
